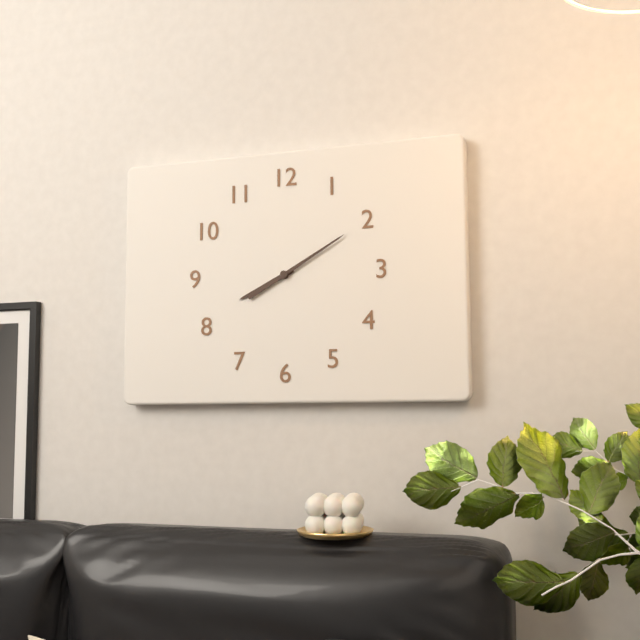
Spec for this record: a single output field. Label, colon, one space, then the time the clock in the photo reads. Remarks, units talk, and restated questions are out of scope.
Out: 8:10
